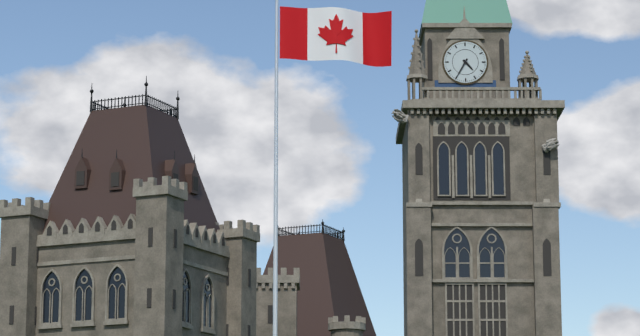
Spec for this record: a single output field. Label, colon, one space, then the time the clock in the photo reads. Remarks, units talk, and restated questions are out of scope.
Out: 4:35
